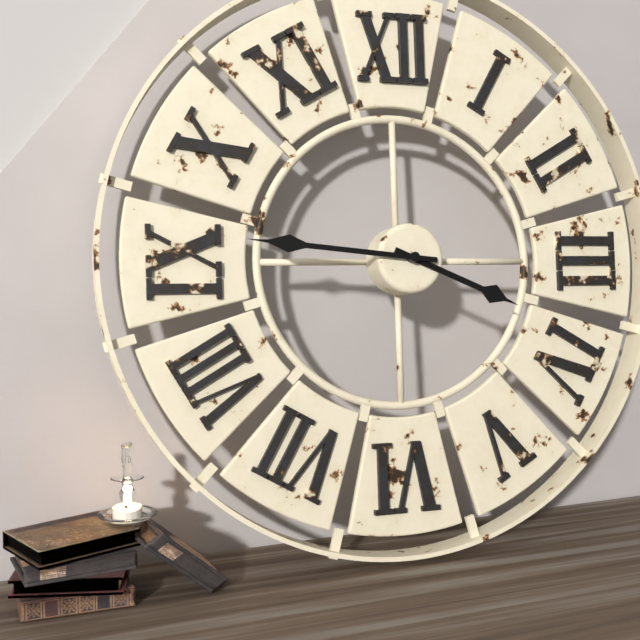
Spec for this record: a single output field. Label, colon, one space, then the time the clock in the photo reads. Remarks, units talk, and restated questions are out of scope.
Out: 3:46
